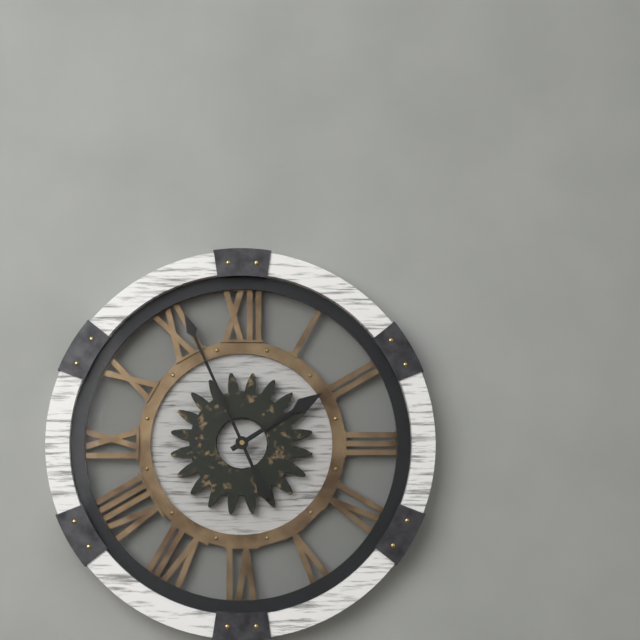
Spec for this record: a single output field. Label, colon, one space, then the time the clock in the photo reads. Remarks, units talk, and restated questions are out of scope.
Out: 1:56
